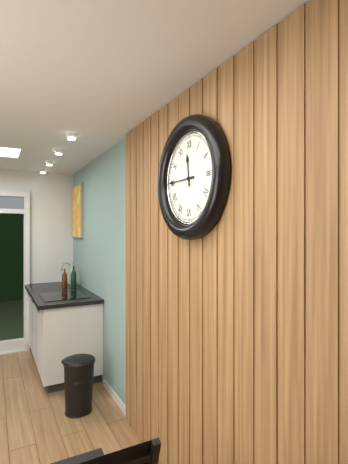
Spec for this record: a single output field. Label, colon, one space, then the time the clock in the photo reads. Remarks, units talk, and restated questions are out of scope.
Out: 11:45
